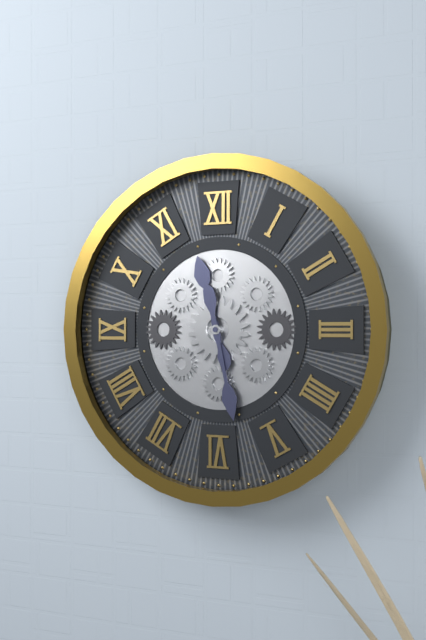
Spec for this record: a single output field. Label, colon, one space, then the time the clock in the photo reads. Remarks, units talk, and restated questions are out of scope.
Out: 11:28
